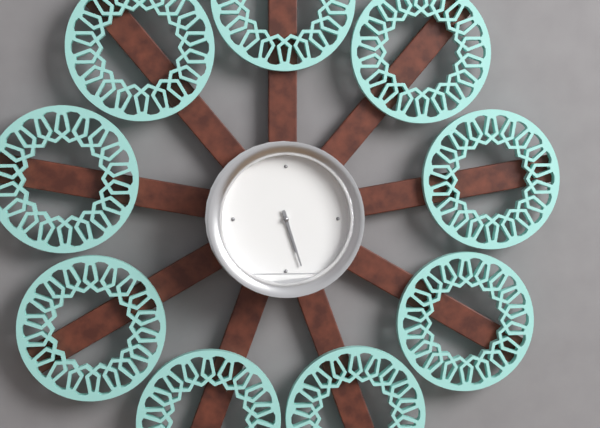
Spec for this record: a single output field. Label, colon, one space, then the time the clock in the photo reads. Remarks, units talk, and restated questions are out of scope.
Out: 5:27
